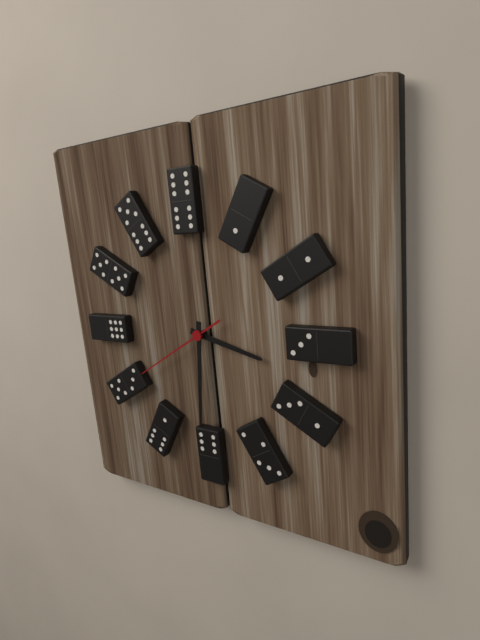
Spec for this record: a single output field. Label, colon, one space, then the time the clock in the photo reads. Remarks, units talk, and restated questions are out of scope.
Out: 3:31:40
